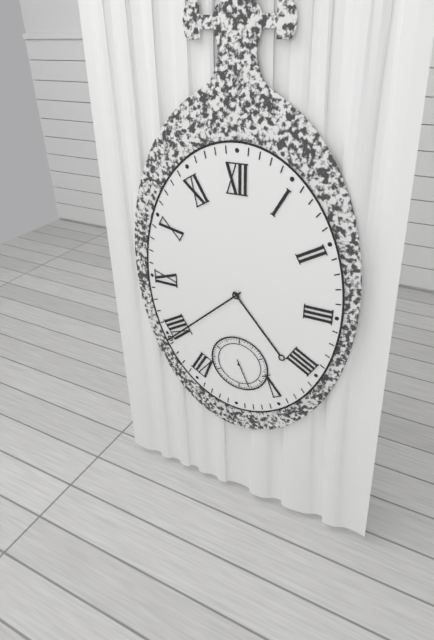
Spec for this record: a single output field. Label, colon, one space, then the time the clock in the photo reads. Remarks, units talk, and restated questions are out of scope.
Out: 4:38
